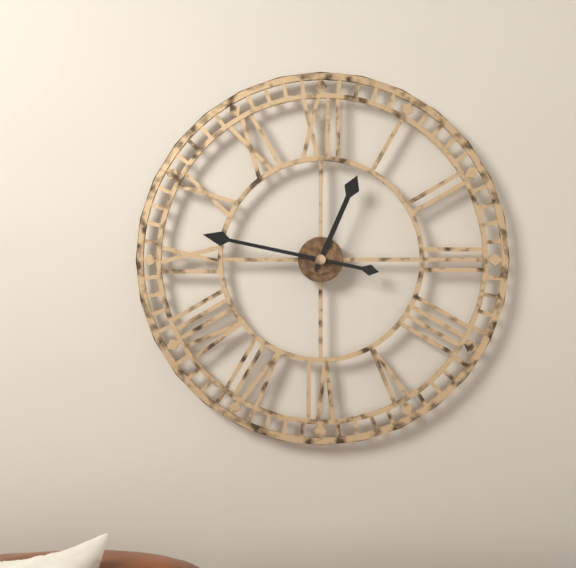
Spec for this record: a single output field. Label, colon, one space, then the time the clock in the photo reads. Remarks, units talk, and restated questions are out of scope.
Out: 12:47
